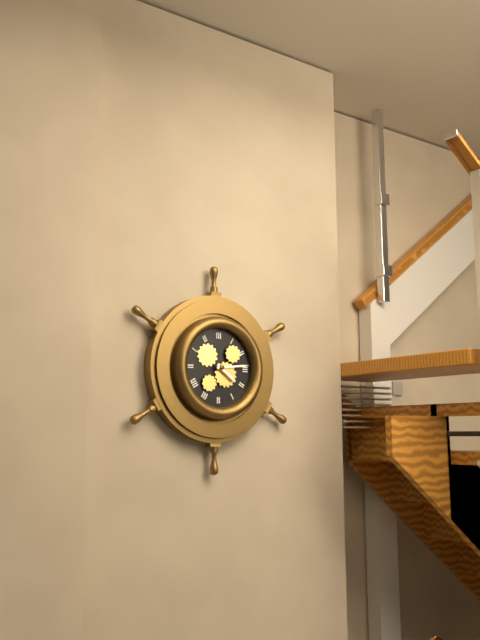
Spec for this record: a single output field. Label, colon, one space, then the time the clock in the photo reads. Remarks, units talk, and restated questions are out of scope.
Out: 4:14
